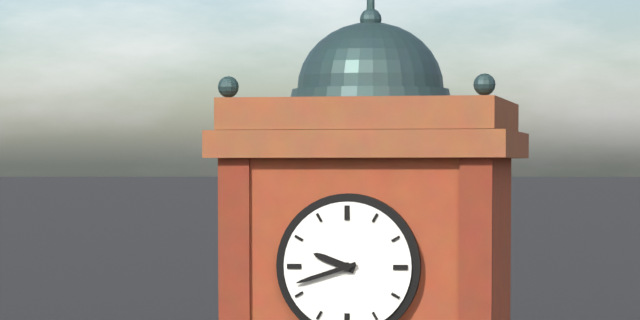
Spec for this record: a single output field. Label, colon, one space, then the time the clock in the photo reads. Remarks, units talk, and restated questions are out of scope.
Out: 9:42
